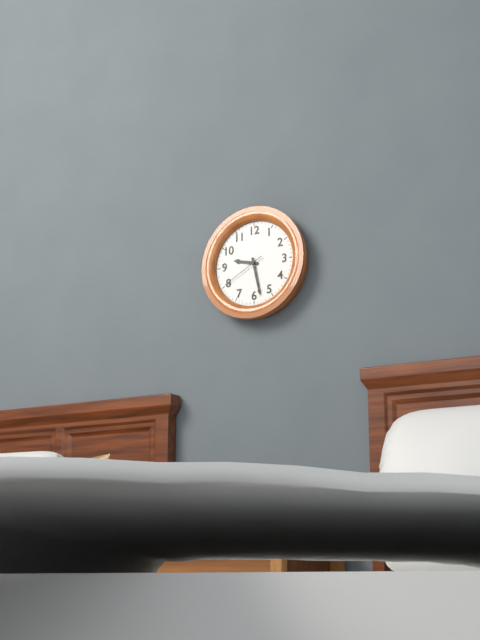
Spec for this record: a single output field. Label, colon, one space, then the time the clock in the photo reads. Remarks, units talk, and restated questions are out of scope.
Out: 9:28
